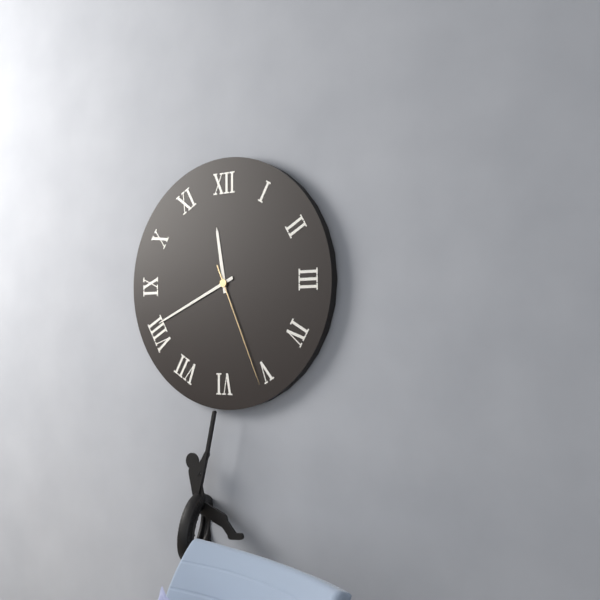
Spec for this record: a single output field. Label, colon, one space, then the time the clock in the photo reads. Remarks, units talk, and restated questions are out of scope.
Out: 11:41:26
